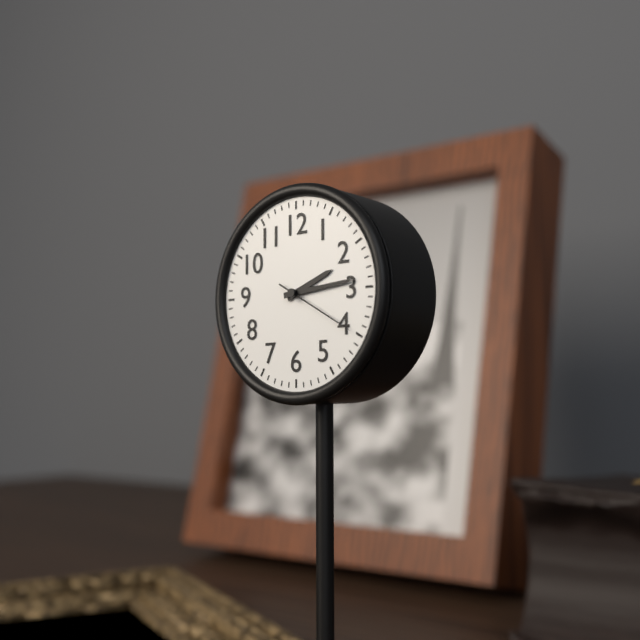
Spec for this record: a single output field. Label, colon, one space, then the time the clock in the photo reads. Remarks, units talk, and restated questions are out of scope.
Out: 2:14:20
